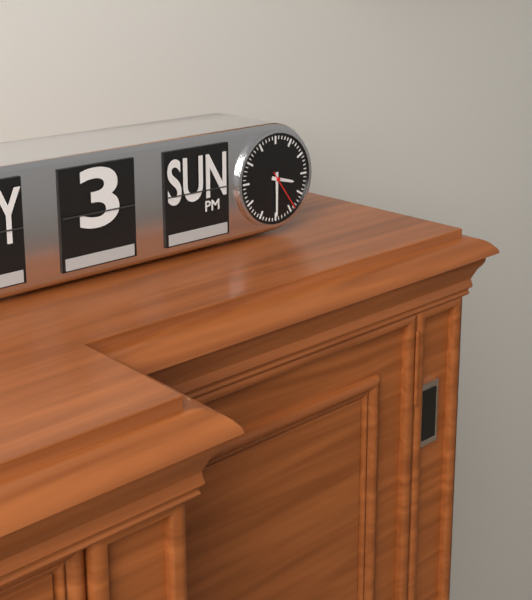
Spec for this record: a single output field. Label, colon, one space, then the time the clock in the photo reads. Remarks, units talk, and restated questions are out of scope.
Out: 3:30
